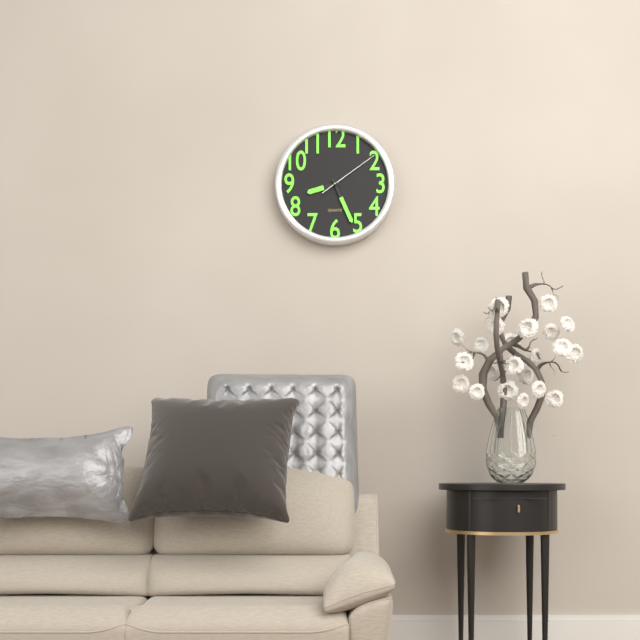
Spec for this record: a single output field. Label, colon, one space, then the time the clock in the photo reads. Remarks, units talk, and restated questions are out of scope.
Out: 8:26:09
